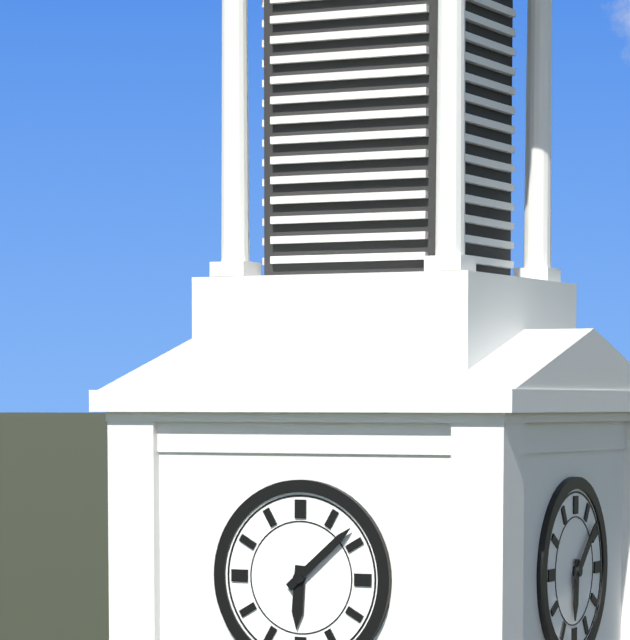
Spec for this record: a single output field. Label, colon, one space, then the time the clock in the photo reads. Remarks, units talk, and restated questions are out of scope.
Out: 6:08
